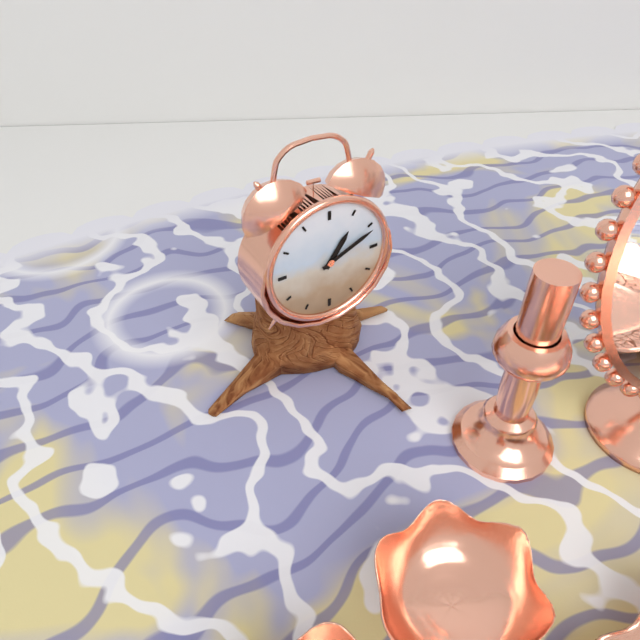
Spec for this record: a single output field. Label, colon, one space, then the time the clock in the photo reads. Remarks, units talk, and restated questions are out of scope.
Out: 1:11
